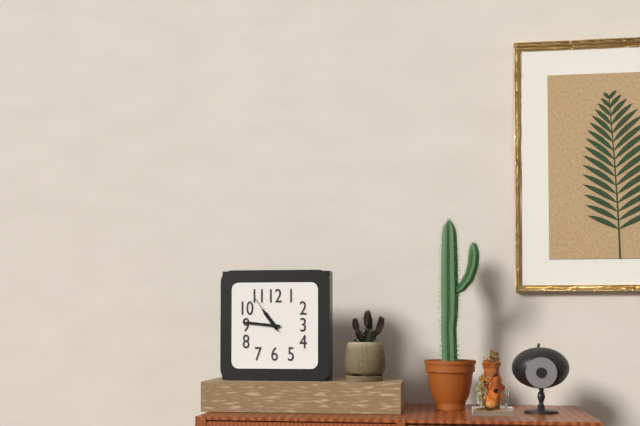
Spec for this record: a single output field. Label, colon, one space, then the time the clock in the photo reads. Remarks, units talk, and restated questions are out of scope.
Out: 10:46
